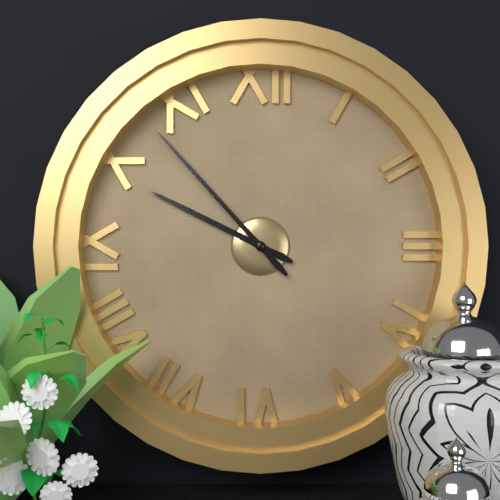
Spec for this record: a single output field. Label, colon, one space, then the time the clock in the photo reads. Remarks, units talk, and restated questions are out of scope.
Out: 9:53
